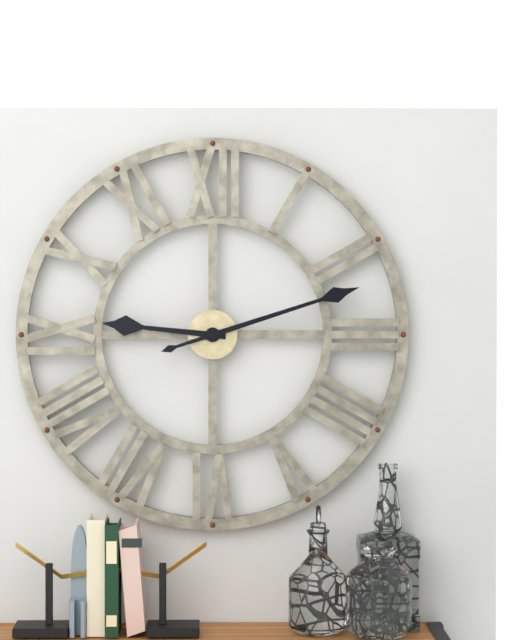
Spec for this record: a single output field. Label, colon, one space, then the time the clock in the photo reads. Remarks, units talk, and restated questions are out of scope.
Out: 9:12
